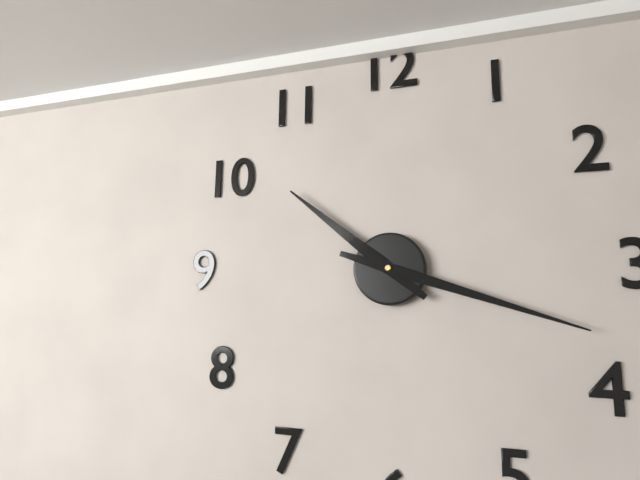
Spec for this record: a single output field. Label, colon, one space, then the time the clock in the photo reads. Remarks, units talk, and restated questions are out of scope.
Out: 10:18
